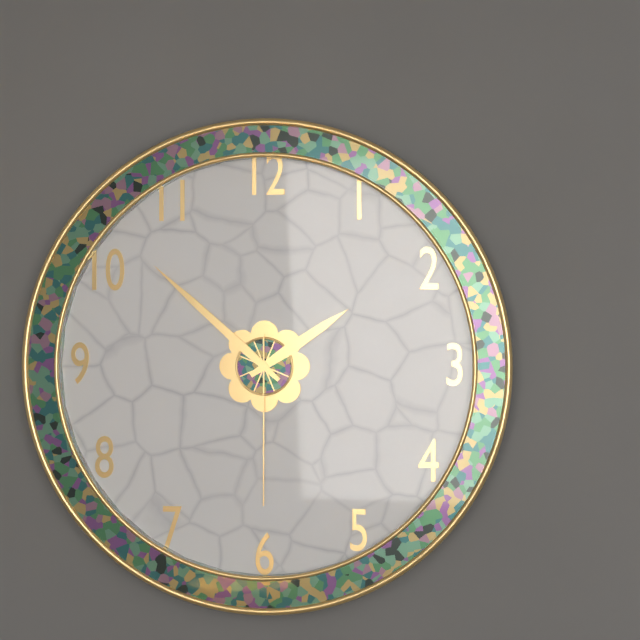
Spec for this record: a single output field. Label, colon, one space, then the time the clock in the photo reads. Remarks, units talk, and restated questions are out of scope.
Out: 1:52:30
